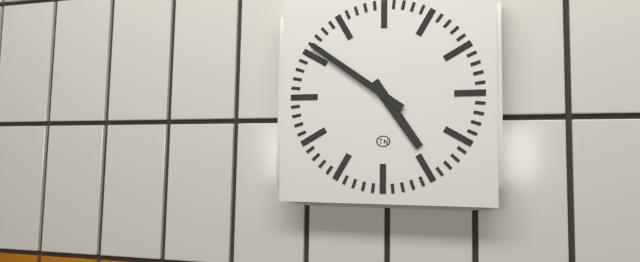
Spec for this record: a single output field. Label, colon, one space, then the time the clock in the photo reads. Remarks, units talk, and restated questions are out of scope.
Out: 4:51
